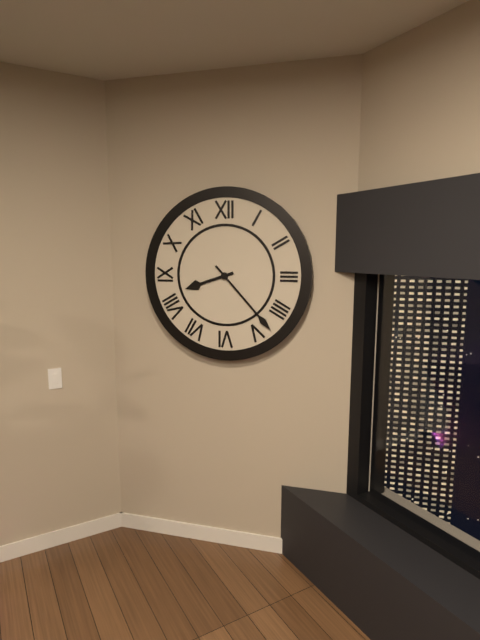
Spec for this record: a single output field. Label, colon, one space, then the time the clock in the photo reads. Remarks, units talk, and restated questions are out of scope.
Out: 8:23
